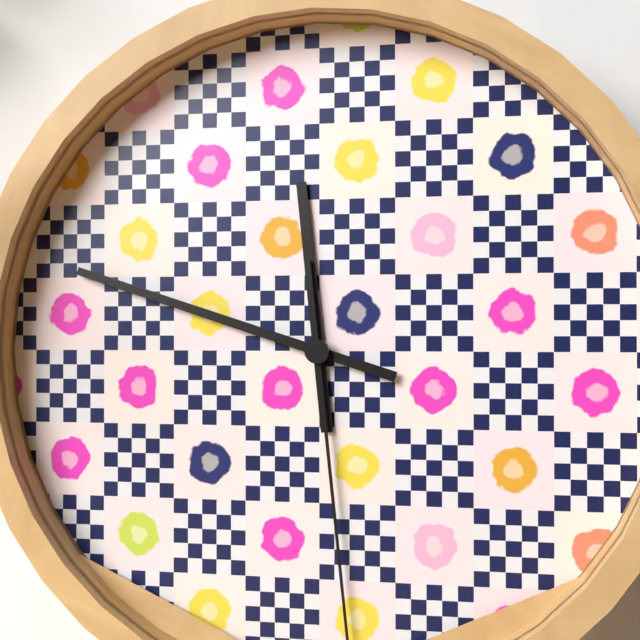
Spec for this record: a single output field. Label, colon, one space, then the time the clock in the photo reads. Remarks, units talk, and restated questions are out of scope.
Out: 11:48
